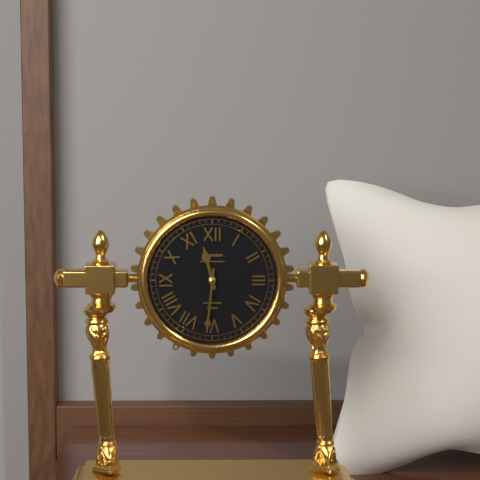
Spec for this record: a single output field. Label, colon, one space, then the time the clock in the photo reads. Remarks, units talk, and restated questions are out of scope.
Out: 11:31
